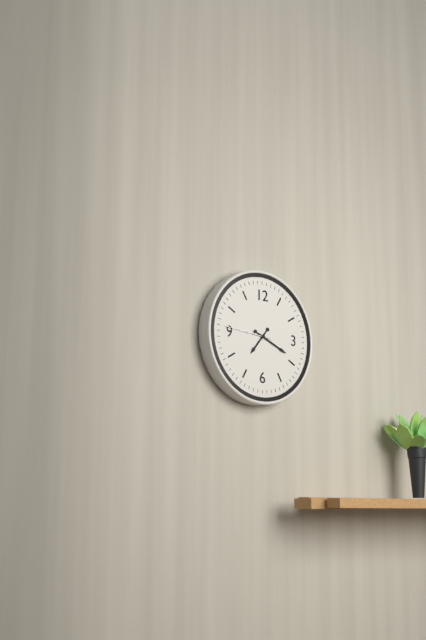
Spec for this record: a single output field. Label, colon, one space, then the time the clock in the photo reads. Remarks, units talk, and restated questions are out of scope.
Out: 7:19
